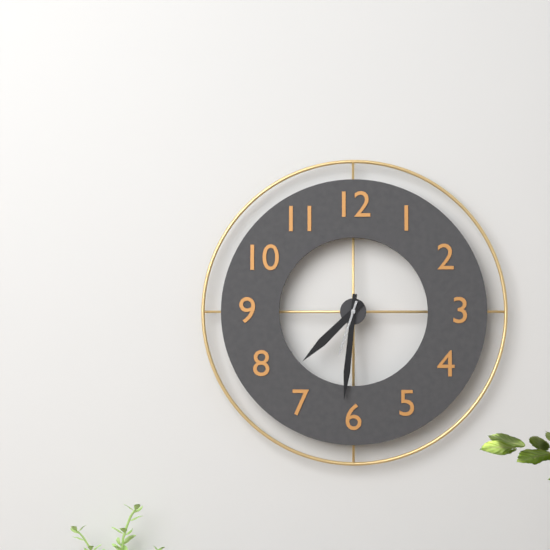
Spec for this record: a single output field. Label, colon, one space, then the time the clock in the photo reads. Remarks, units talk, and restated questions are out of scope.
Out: 7:31:33
